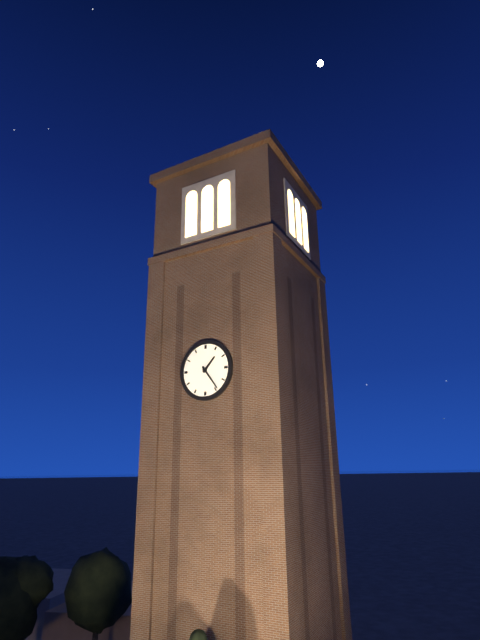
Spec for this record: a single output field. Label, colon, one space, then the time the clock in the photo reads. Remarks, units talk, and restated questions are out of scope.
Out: 1:24
